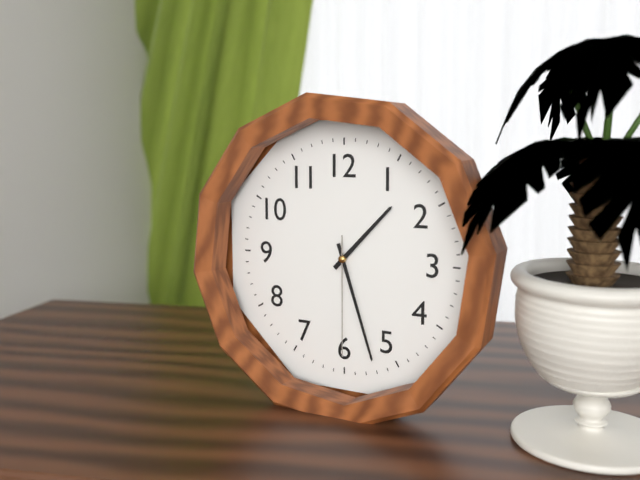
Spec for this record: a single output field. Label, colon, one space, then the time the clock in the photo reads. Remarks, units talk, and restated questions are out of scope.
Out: 1:27:30
